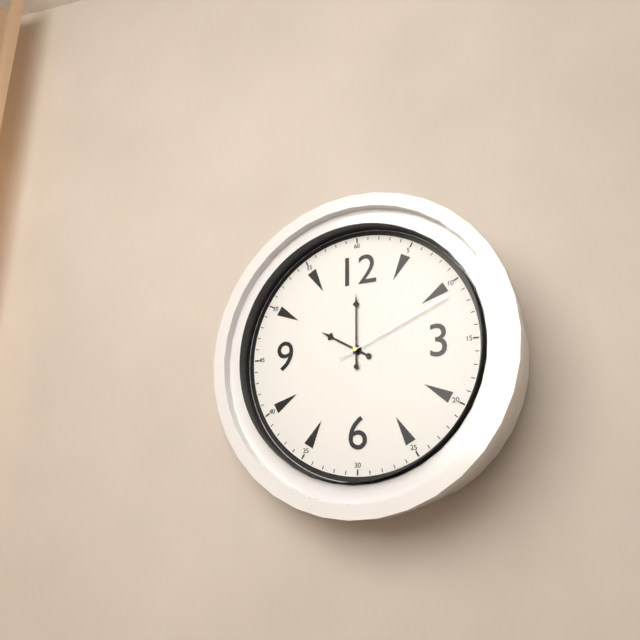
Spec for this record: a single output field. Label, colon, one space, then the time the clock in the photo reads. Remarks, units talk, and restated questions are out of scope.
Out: 10:00:11
